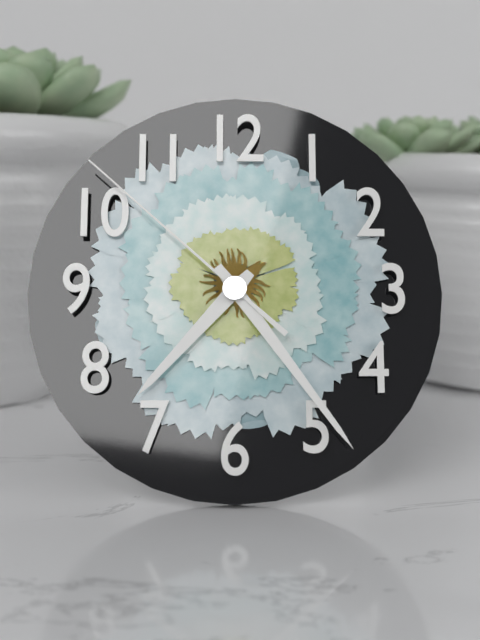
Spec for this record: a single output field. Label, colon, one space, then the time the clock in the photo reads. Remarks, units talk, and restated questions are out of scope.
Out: 7:24:52
